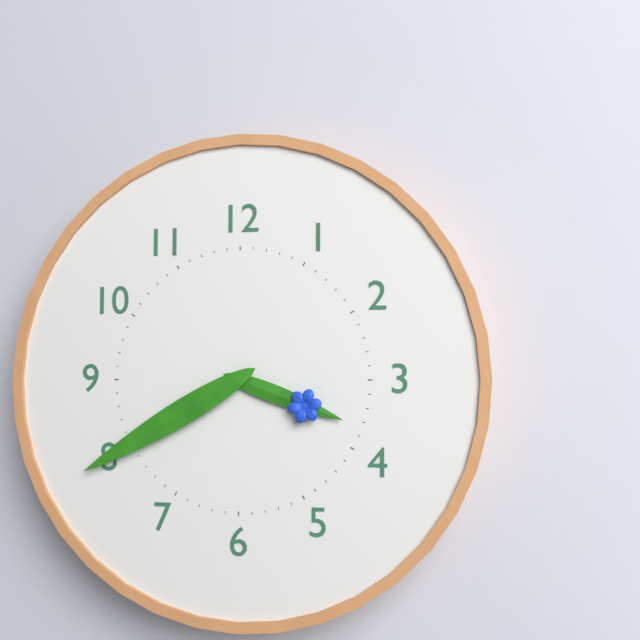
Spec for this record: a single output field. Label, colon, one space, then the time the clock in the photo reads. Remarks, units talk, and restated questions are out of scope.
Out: 3:40
